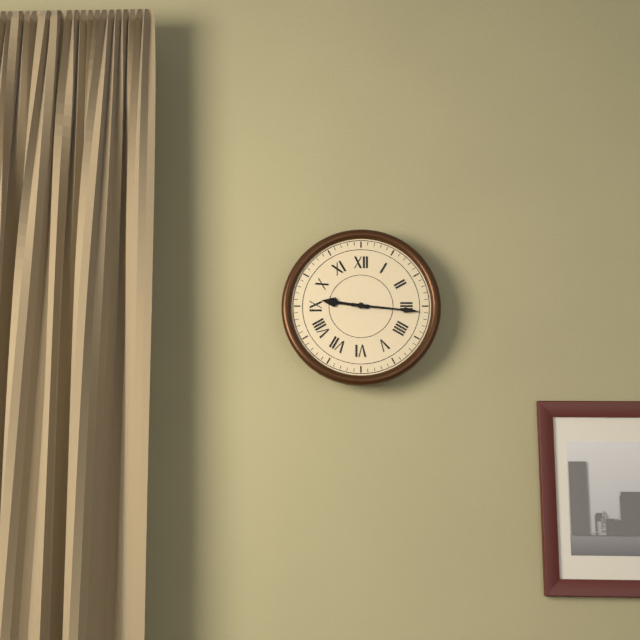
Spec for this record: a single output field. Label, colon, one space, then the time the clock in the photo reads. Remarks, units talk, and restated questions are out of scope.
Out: 9:16
